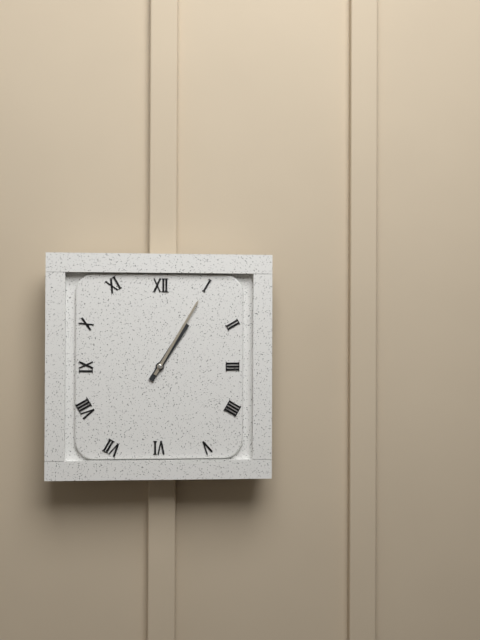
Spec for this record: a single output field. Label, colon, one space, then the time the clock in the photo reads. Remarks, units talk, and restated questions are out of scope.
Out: 1:05
